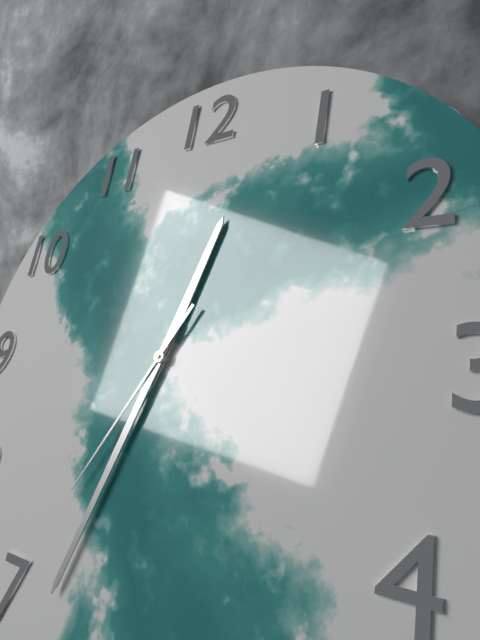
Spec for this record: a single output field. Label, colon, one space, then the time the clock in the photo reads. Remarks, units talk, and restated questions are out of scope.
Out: 12:33:35
